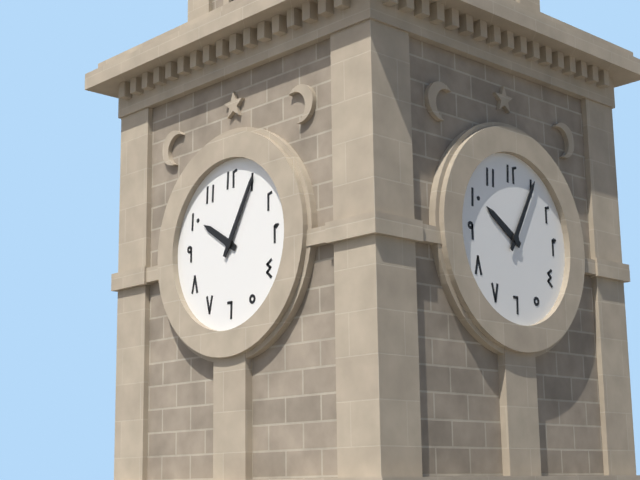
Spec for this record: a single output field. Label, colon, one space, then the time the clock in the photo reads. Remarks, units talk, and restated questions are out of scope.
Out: 10:05
